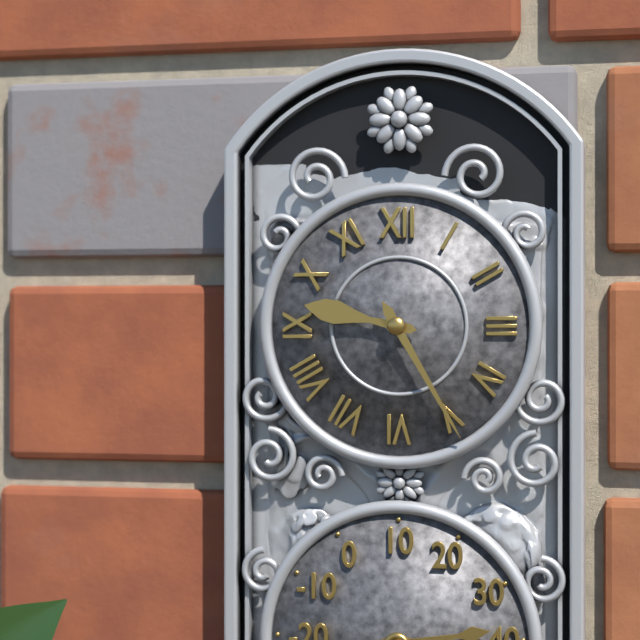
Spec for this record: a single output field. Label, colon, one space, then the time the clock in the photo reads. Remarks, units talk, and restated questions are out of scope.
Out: 9:25
